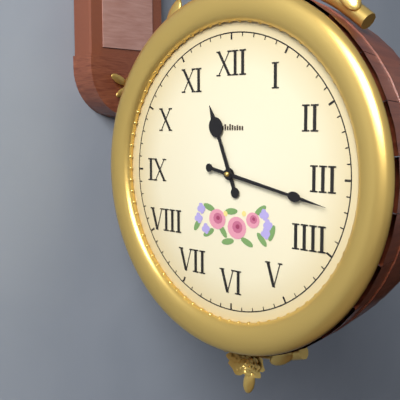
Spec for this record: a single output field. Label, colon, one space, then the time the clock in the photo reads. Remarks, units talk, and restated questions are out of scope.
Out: 11:17
